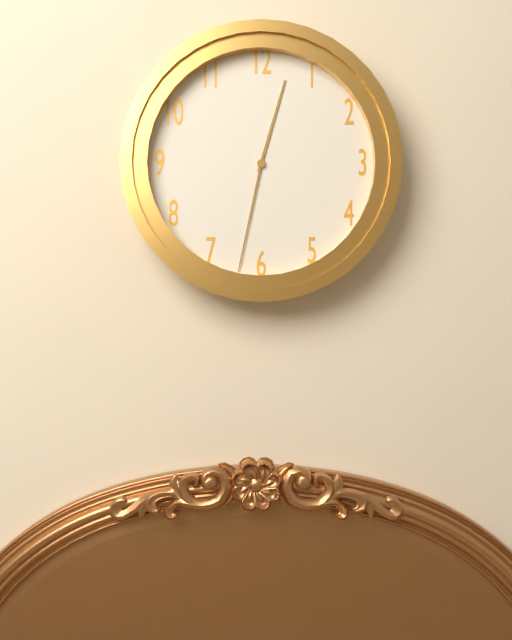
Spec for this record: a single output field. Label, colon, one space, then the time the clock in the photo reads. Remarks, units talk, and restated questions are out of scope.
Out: 12:32
